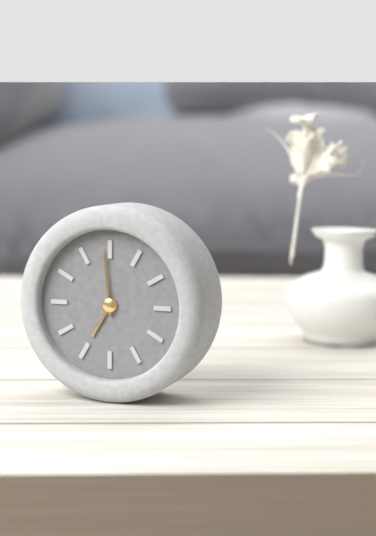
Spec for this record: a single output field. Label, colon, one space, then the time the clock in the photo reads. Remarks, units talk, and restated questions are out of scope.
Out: 6:59
